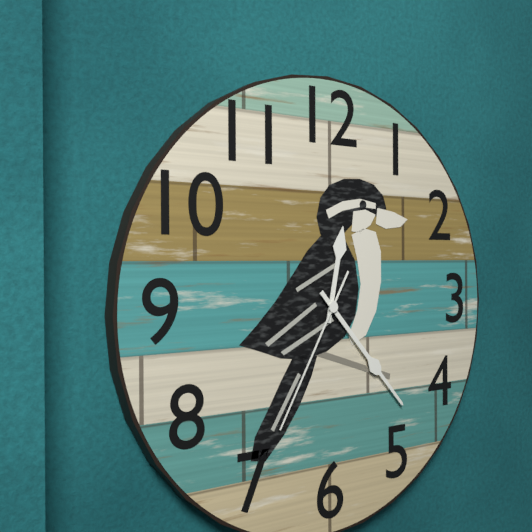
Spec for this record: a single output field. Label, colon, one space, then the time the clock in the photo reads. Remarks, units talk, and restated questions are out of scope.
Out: 12:23:35
